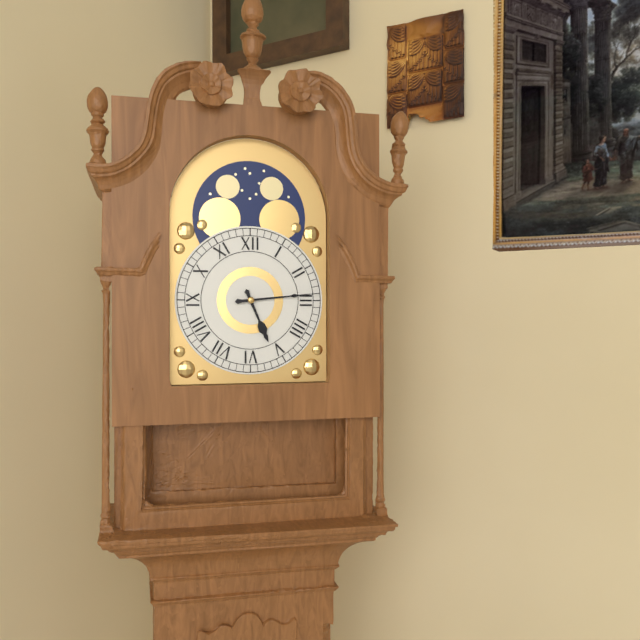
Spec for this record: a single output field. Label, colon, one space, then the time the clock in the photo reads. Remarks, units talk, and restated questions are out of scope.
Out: 5:14
